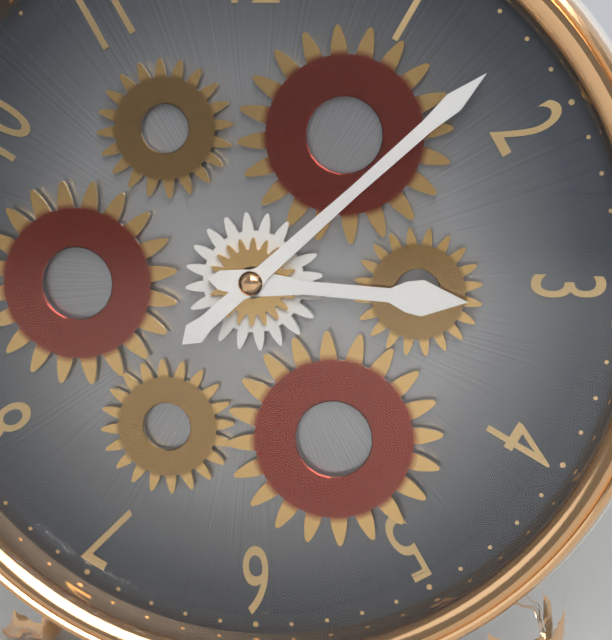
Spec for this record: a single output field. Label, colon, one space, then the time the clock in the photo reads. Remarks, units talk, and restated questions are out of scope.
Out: 3:08
